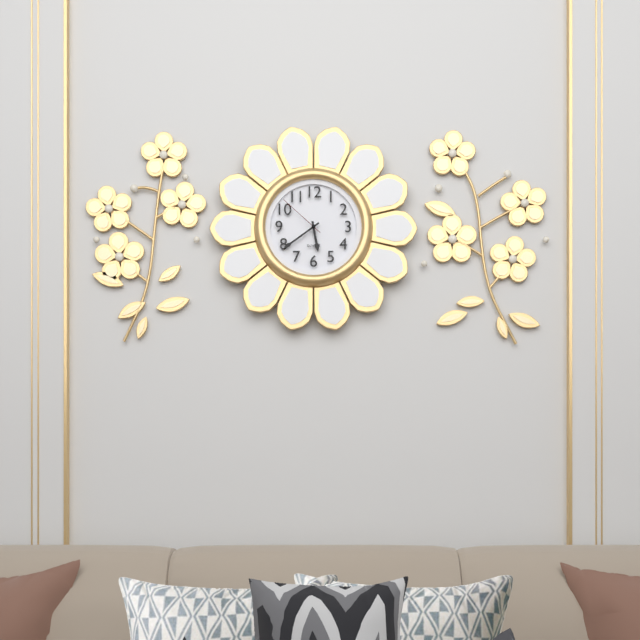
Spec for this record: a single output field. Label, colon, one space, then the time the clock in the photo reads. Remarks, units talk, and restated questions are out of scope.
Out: 5:39:52
